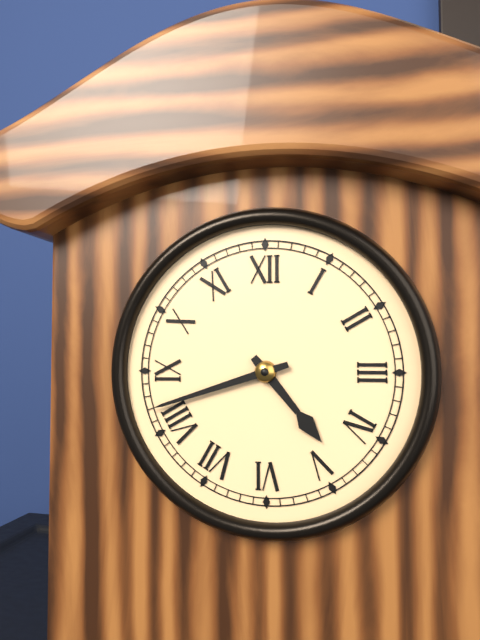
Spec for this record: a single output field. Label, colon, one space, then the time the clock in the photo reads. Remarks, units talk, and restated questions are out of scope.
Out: 4:42
